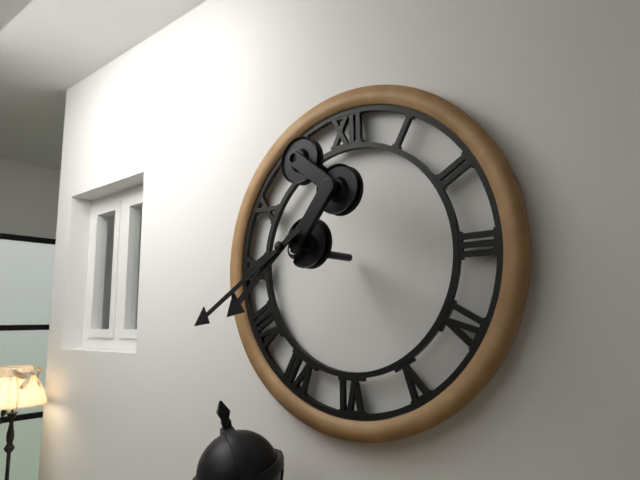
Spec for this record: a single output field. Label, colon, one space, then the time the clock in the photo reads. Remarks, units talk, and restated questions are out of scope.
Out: 7:40
